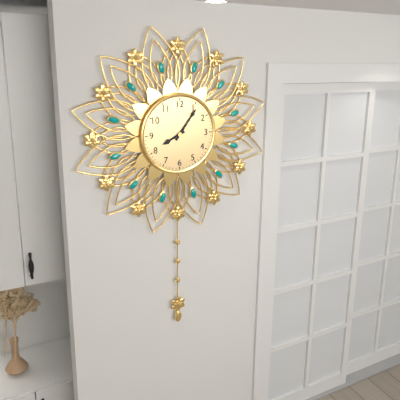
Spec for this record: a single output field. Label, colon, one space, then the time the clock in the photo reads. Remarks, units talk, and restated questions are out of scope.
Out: 8:06
